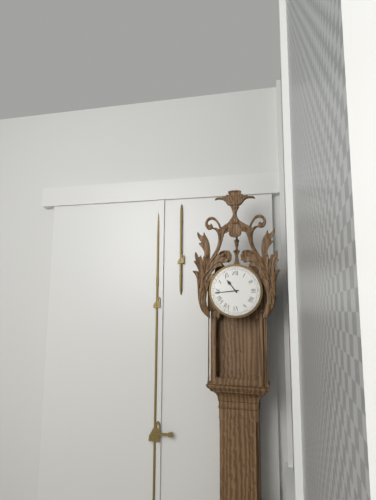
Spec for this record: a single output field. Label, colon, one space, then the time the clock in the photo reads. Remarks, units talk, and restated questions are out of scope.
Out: 10:44
